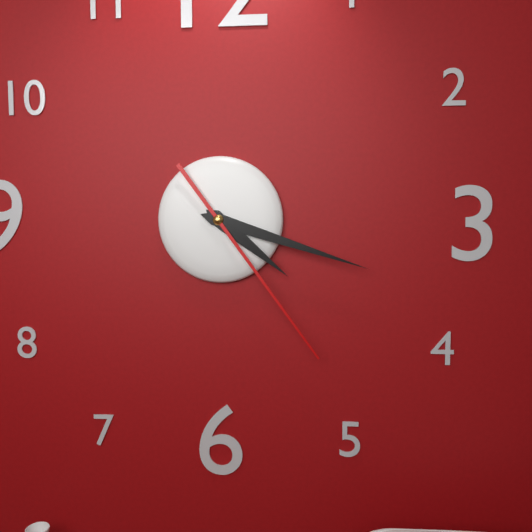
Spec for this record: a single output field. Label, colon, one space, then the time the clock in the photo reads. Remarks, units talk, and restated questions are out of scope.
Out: 4:18:24
